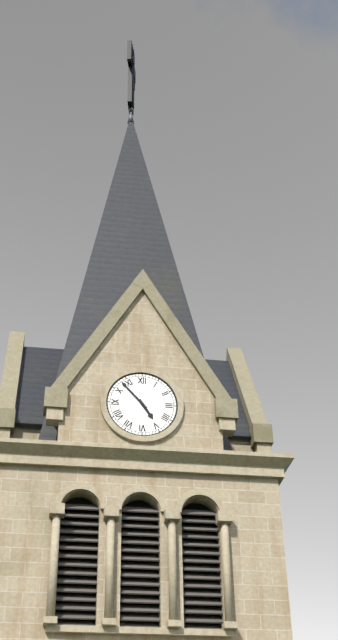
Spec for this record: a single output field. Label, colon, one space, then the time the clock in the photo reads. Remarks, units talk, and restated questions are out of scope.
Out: 4:53
